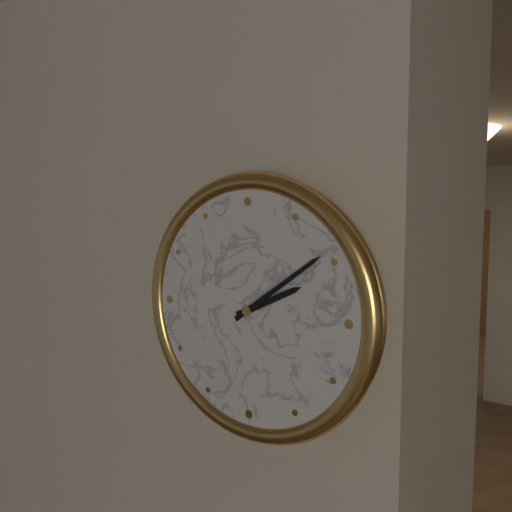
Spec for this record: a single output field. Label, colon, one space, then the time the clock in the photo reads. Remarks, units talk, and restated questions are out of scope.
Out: 2:09
